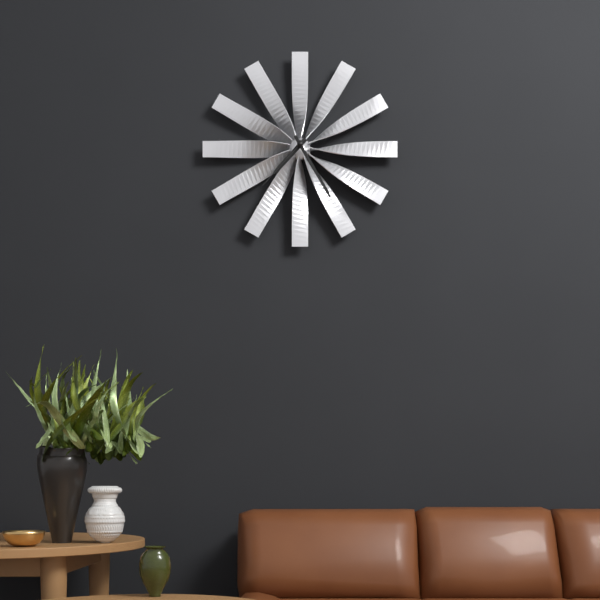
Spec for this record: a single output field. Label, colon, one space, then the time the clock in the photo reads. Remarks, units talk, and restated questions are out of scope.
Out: 7:25:37
